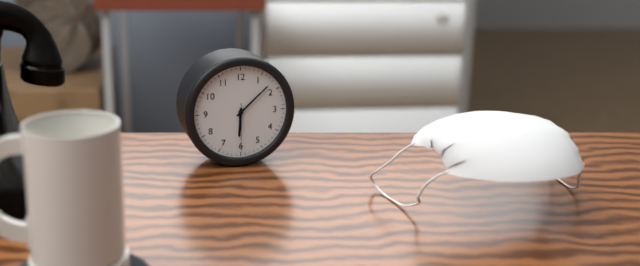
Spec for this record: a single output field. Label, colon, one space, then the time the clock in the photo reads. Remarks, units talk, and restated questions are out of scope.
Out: 6:08
